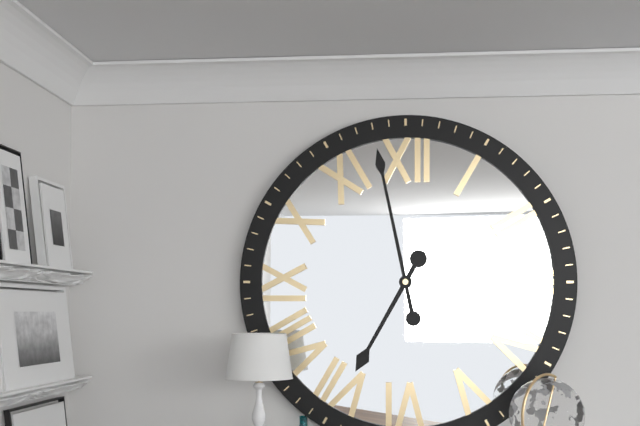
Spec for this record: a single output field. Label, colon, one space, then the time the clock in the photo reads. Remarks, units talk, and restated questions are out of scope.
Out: 6:58
